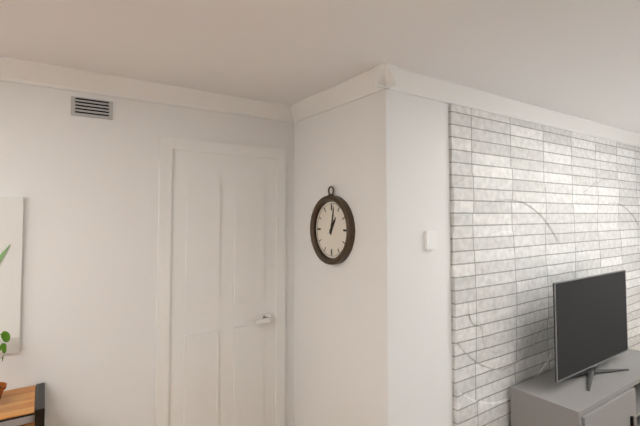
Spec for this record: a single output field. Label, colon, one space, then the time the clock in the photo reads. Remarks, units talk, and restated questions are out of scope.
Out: 1:02
